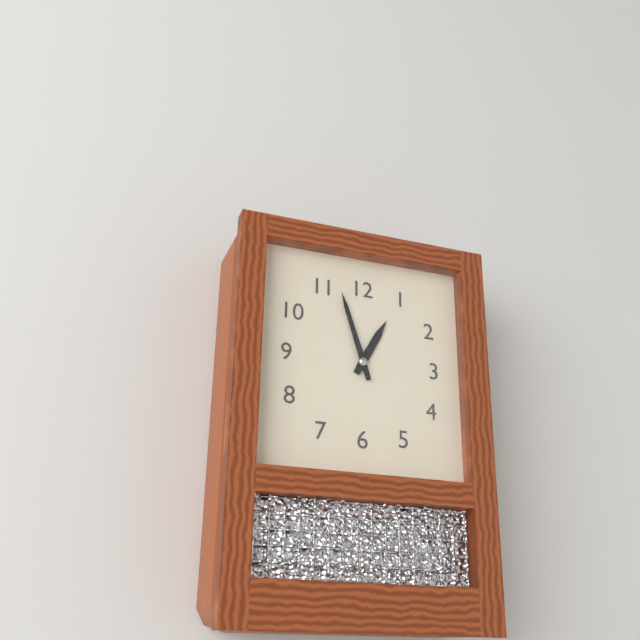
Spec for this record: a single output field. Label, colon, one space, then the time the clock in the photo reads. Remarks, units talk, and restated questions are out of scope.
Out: 12:57
